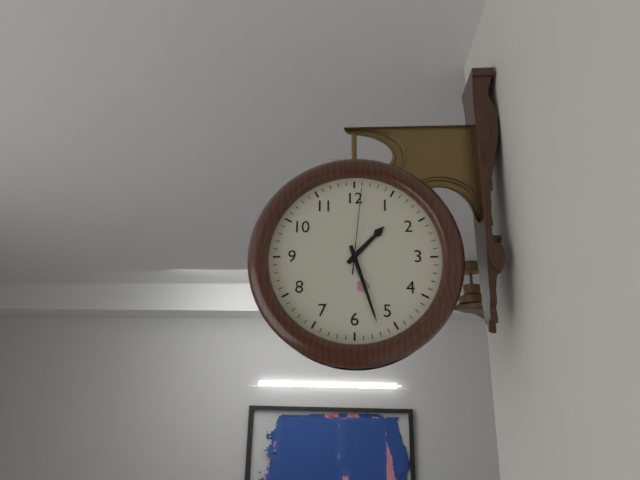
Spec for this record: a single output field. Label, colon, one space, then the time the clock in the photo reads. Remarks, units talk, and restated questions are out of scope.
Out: 1:27:01
